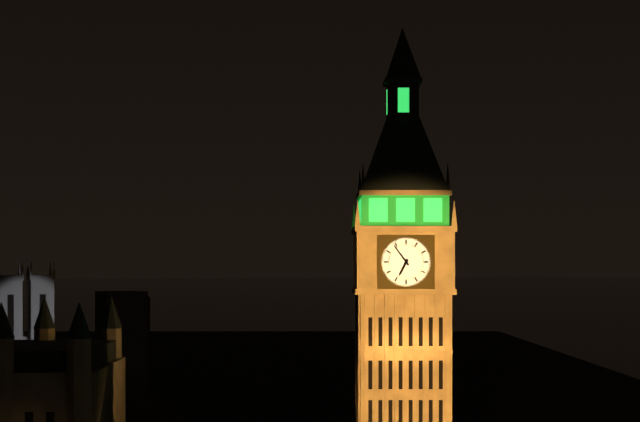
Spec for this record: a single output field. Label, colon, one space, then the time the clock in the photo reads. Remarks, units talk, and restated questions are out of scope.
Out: 6:54
